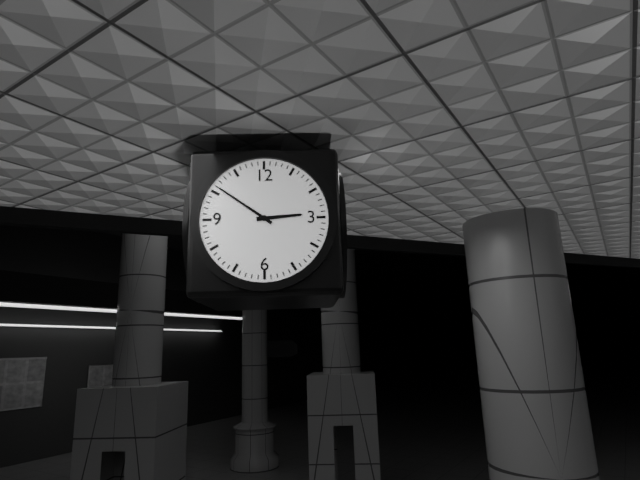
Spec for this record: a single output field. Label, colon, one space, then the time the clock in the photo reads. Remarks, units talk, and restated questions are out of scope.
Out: 2:51
